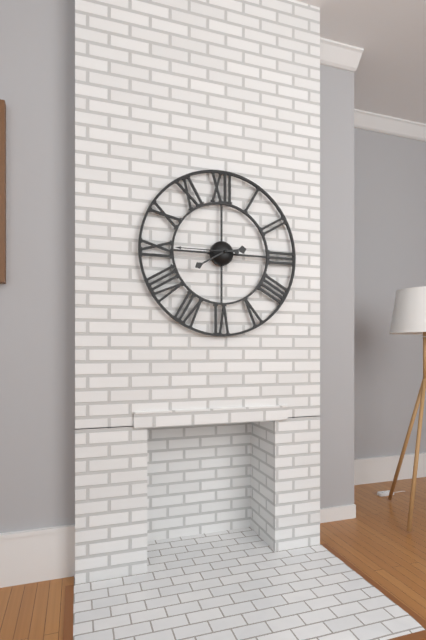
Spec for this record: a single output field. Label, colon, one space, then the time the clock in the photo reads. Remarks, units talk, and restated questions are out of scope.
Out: 2:40:45
